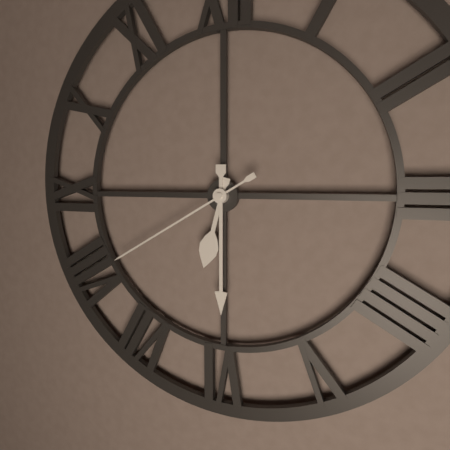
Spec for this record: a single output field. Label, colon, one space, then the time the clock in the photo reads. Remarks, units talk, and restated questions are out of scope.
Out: 6:30:40
